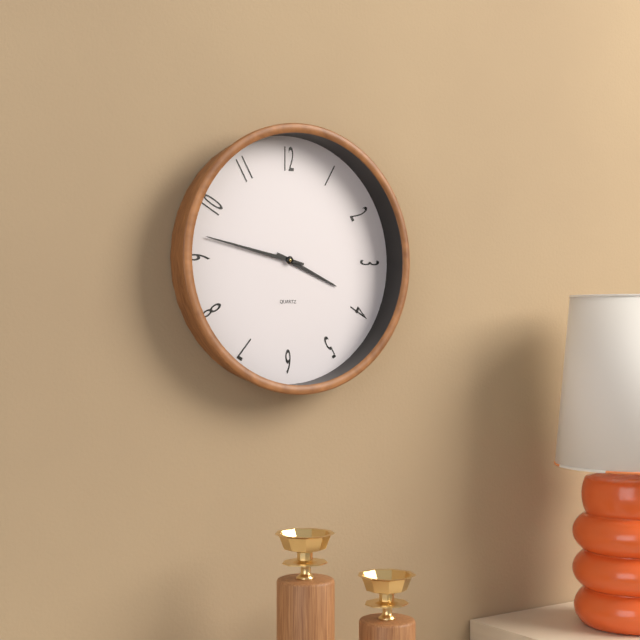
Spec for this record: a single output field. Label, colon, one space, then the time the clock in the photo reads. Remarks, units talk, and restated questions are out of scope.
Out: 3:47
